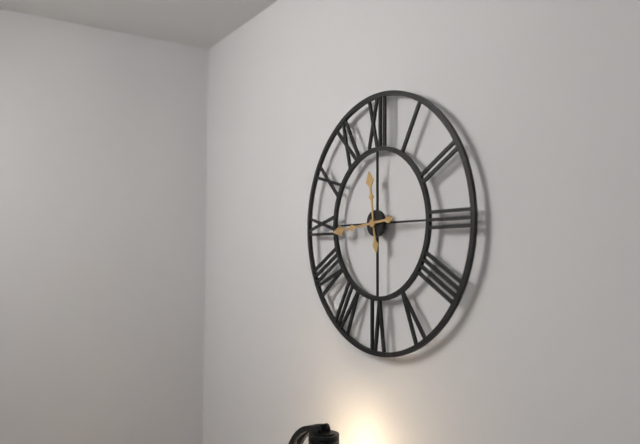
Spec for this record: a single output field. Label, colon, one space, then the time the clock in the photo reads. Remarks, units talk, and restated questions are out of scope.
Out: 11:44
